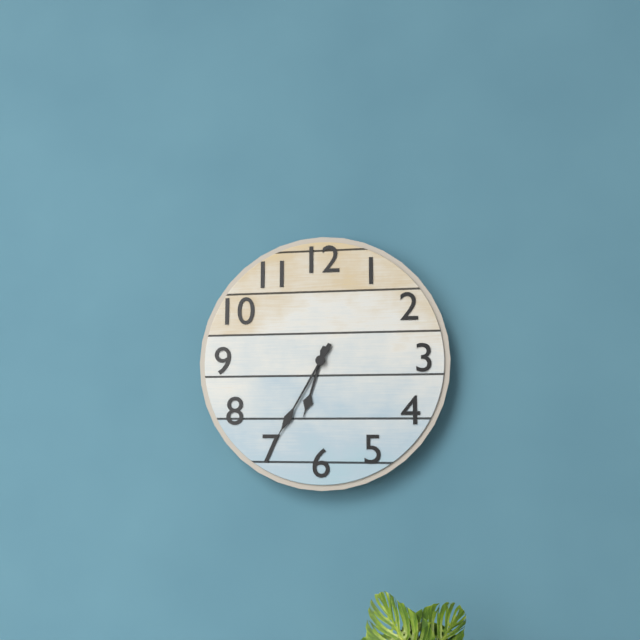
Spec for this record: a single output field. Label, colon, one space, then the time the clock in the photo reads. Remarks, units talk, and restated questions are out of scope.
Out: 6:35
